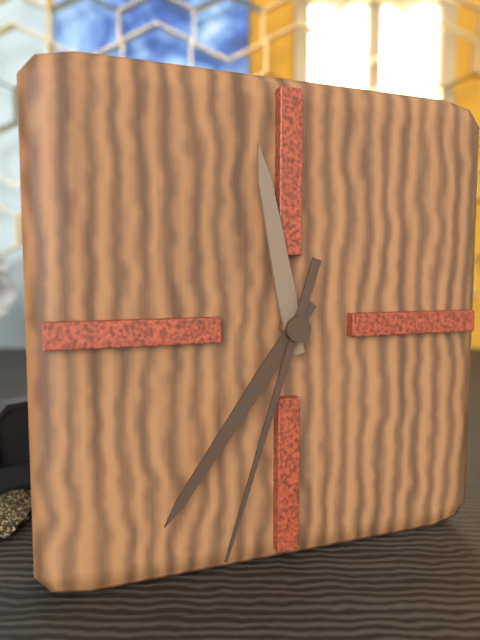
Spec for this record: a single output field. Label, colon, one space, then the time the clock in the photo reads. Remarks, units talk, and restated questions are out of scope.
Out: 11:36:33
